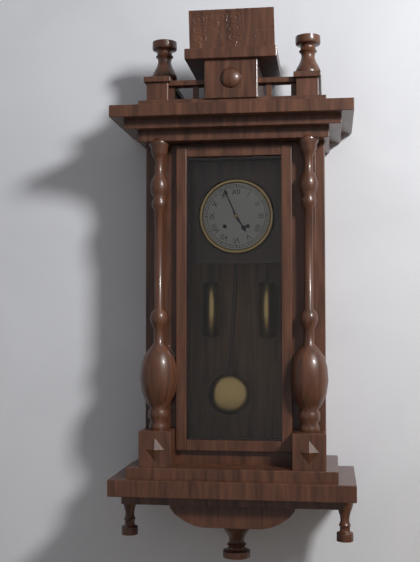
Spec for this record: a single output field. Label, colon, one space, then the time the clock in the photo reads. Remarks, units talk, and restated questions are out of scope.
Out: 4:56
